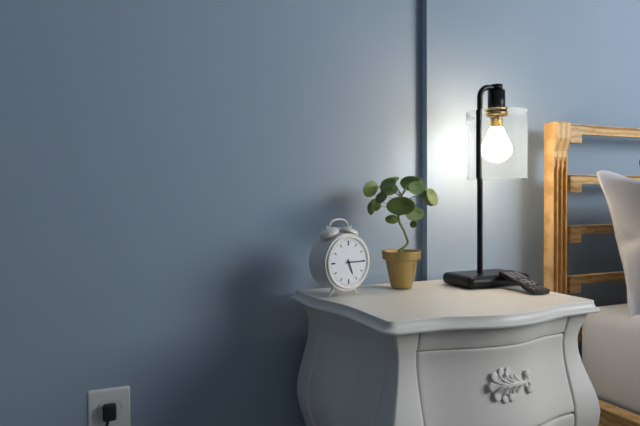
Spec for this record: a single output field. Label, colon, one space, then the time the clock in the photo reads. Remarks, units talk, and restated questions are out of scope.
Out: 5:15
